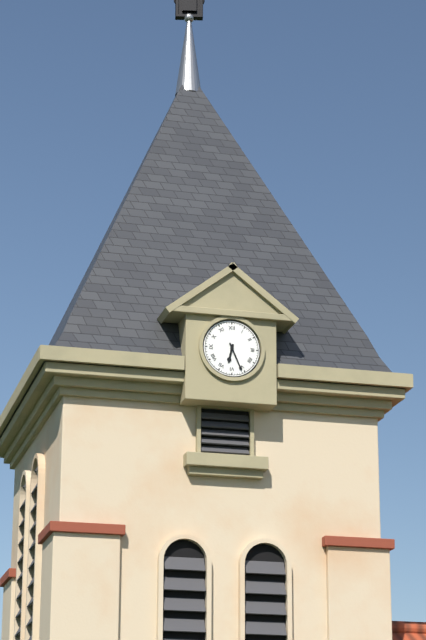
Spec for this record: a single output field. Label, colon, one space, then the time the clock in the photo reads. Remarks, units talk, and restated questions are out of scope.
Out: 6:26
